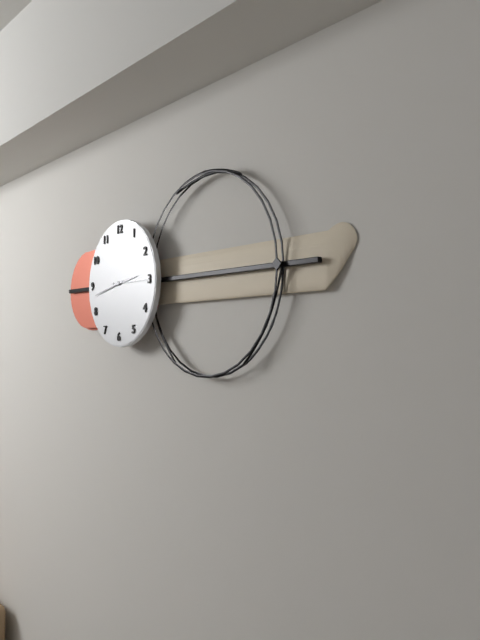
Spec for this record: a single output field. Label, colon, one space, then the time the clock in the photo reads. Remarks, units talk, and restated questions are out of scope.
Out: 2:43
